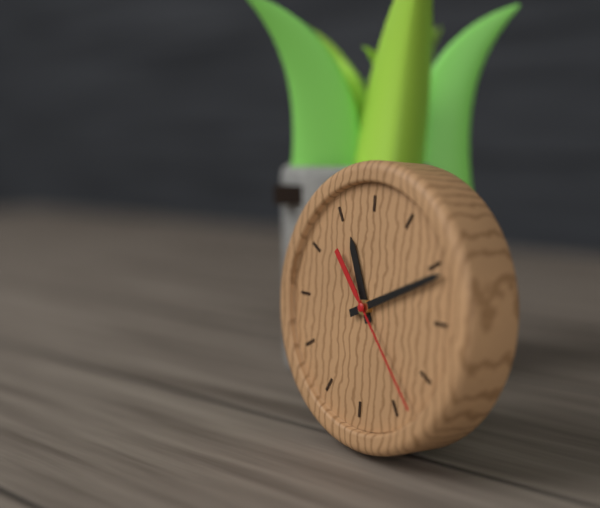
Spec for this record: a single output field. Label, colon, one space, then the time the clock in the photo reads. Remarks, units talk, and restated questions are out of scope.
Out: 11:11:23
